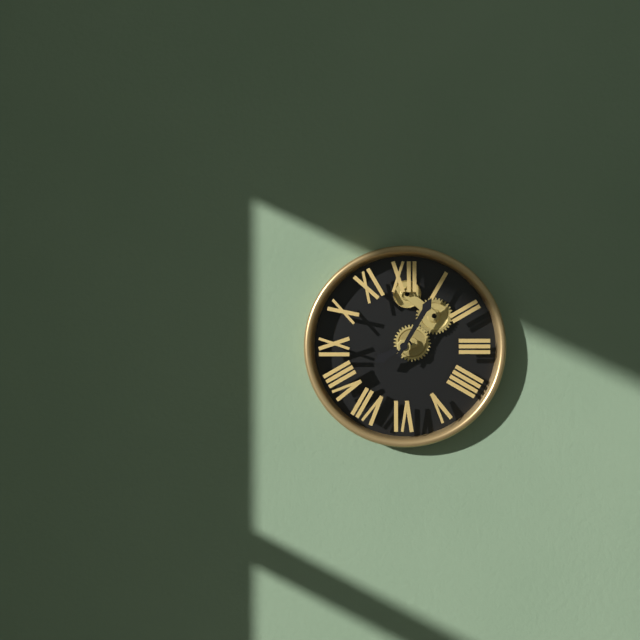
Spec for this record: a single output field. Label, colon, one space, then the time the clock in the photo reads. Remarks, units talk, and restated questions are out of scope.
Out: 8:05
